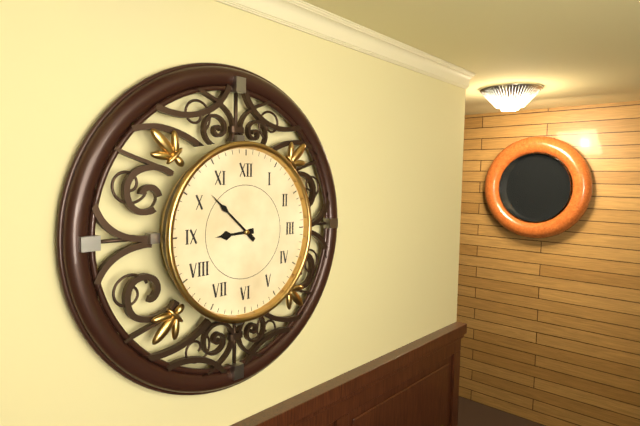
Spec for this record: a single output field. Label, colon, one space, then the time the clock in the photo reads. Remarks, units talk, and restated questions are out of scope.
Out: 8:52
